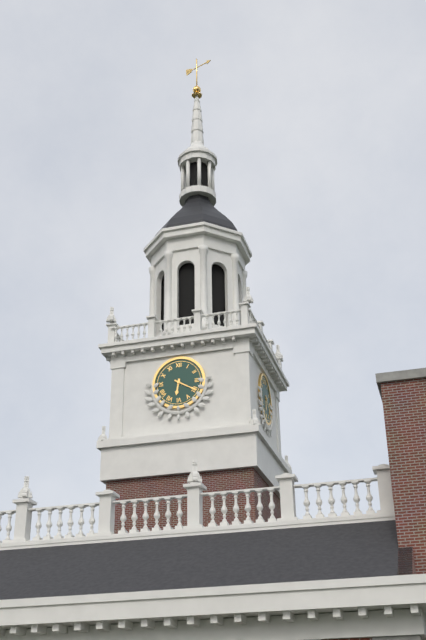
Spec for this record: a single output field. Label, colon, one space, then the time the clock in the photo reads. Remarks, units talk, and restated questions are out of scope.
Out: 6:20
